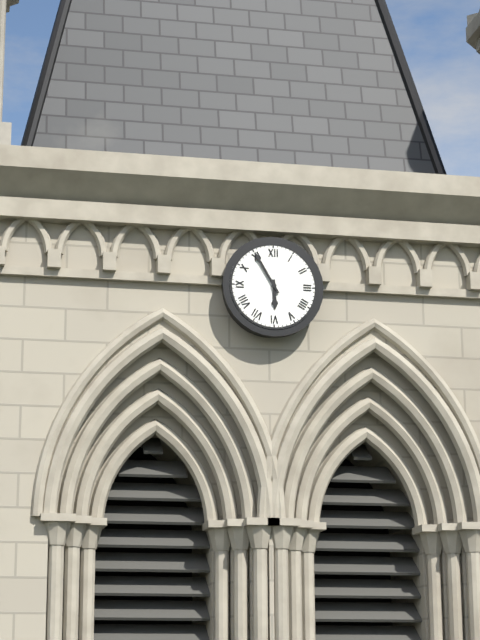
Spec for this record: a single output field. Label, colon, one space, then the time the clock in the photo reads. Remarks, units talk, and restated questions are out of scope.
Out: 5:55
